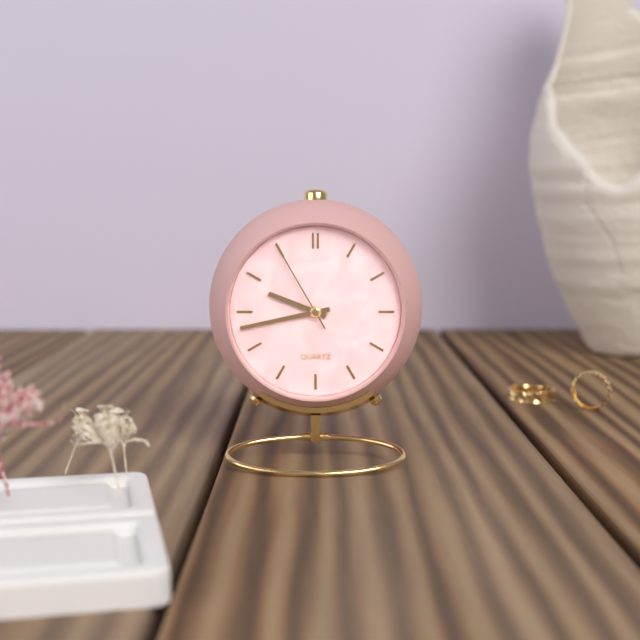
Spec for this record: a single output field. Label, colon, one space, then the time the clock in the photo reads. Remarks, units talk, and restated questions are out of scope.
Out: 9:43:55
